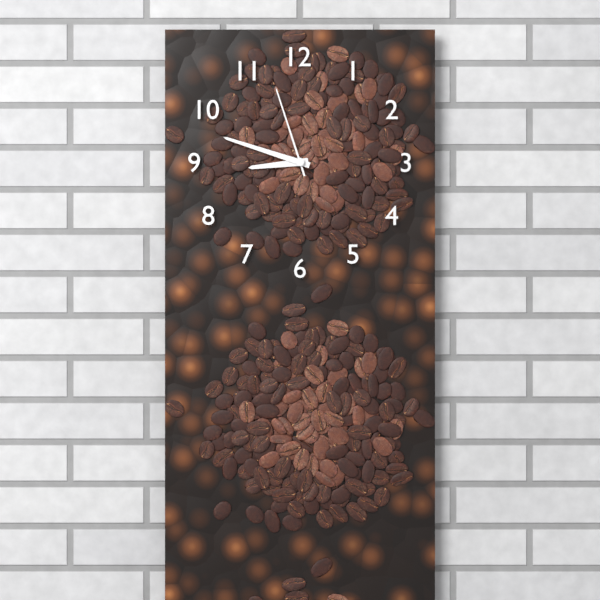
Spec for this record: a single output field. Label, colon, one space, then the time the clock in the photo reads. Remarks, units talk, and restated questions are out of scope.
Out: 8:48:57
